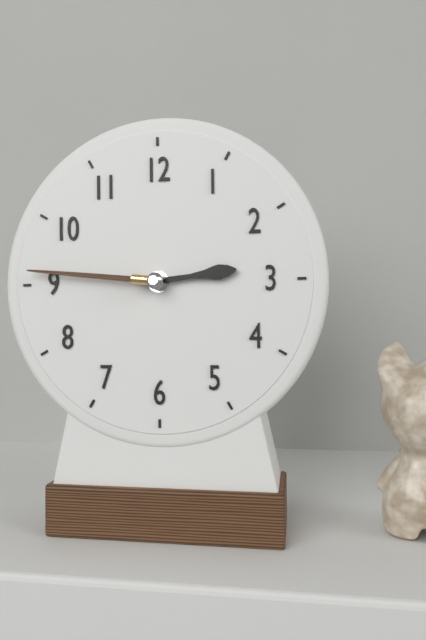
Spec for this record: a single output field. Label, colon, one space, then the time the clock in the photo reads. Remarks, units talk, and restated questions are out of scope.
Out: 2:46
